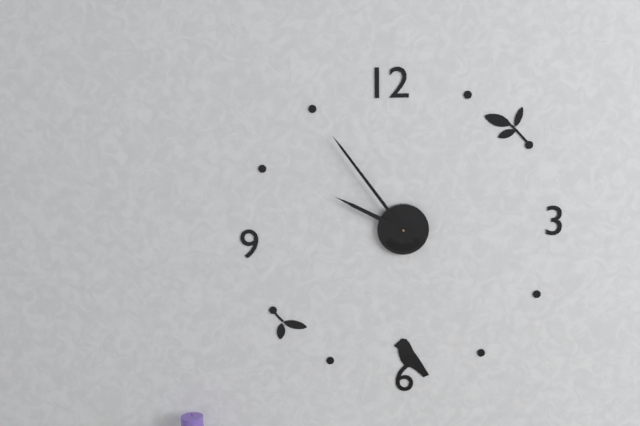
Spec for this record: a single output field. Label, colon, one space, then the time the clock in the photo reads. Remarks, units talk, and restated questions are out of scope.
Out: 9:54
